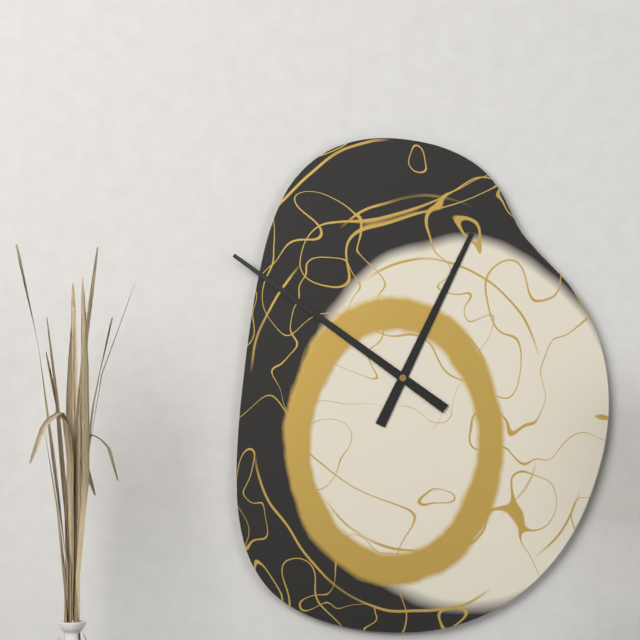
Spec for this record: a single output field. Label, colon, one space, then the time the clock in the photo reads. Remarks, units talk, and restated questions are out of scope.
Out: 12:51
